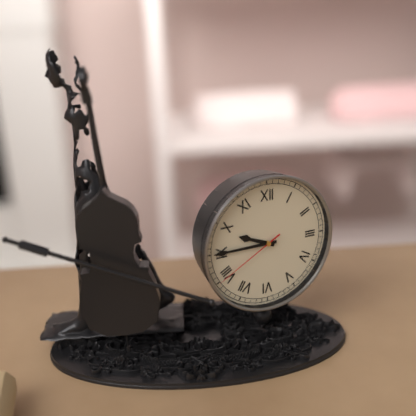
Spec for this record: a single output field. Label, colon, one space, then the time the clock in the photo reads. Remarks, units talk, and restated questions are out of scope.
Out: 9:45:40
